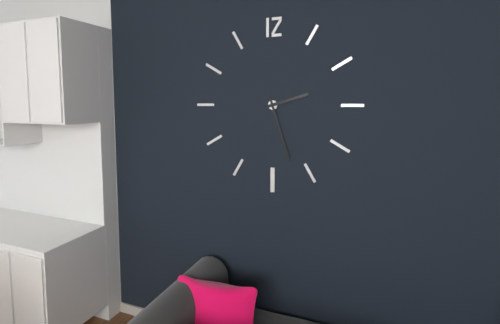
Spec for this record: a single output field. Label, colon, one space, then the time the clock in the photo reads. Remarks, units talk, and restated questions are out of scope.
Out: 2:27
